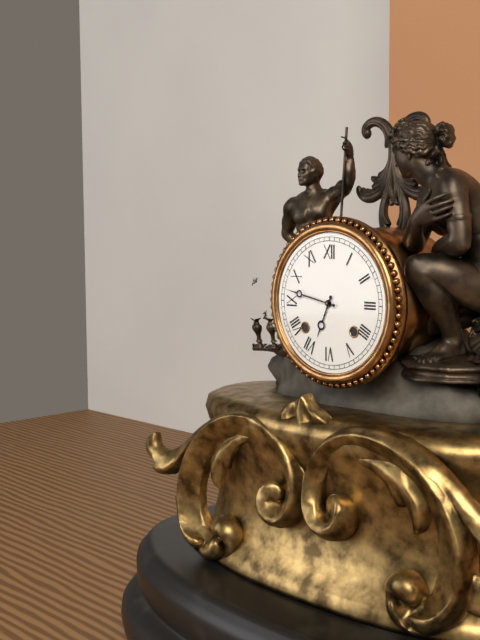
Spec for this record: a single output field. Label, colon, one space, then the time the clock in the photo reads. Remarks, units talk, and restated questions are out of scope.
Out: 6:47
